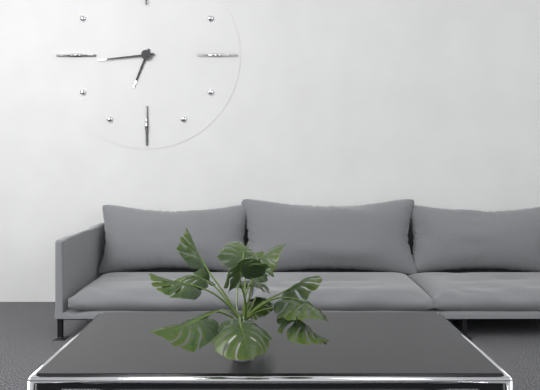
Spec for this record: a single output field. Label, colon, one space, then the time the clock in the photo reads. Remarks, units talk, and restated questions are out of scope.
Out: 6:44
